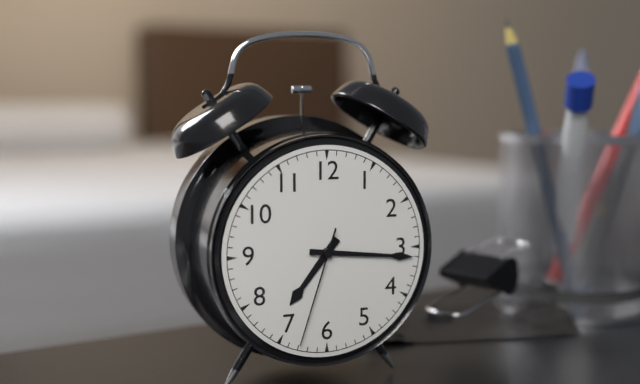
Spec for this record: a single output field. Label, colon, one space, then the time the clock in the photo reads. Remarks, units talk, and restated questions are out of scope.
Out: 7:16:33
